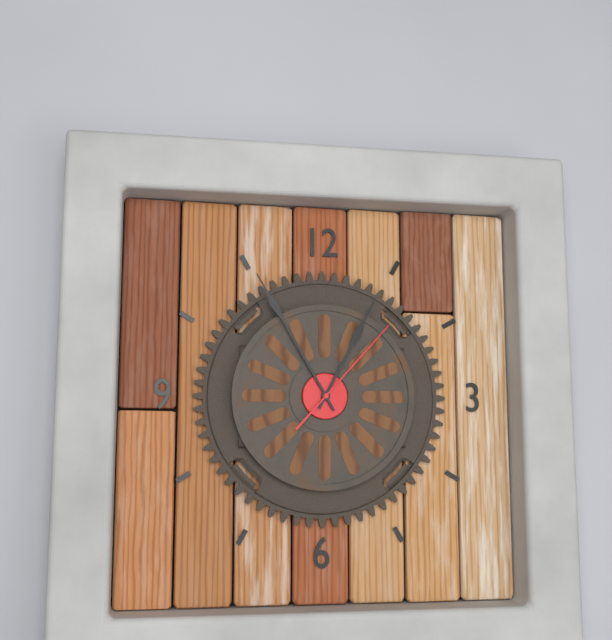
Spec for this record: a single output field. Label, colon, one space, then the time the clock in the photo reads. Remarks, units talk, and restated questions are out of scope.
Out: 12:55:07
